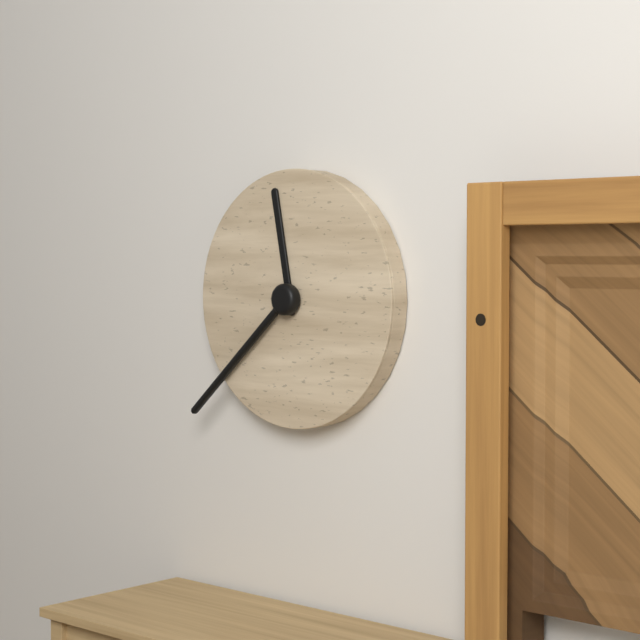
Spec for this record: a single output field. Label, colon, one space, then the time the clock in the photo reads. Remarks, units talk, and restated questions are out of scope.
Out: 11:38
